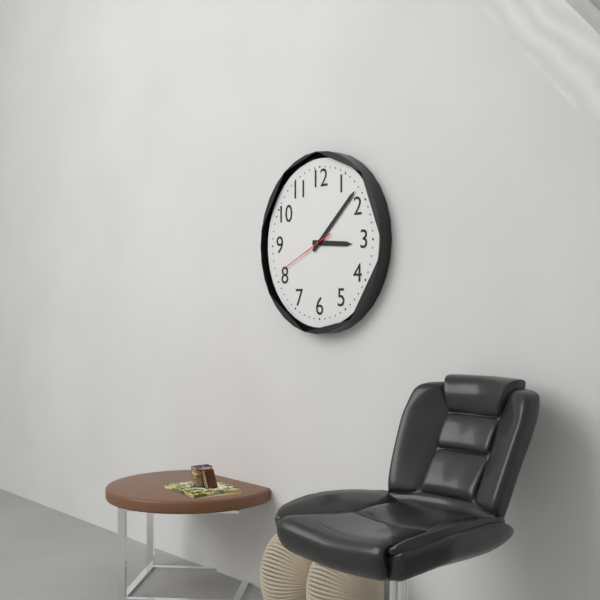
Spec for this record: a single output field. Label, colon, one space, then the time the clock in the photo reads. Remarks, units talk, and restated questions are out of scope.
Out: 3:08:41
